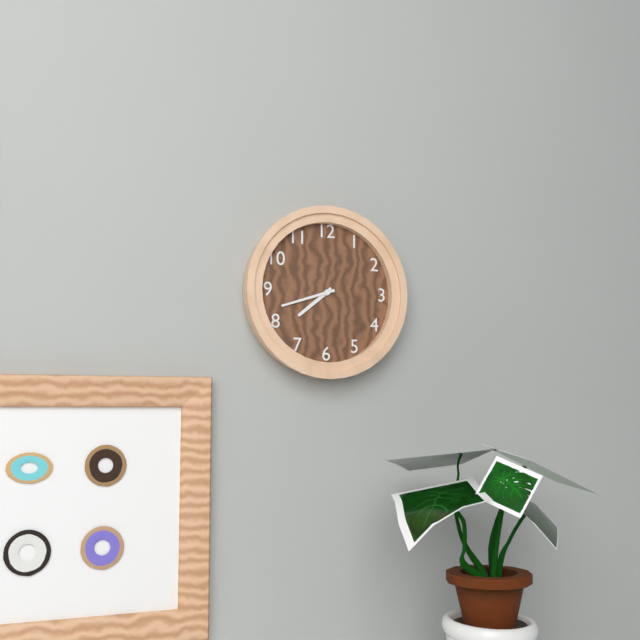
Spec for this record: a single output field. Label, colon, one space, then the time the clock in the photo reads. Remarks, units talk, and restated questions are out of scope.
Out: 7:42
